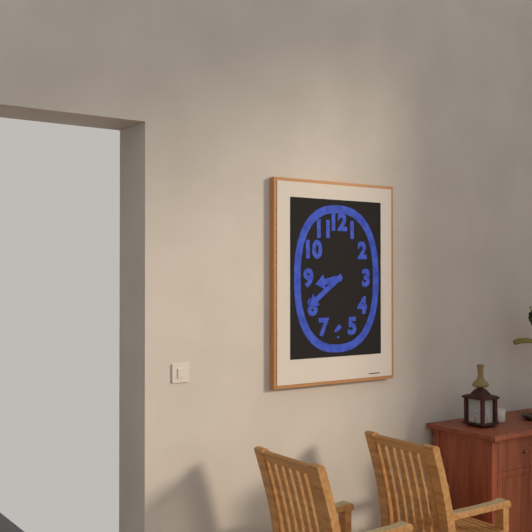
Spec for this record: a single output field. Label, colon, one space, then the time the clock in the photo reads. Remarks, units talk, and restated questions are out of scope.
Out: 8:39
